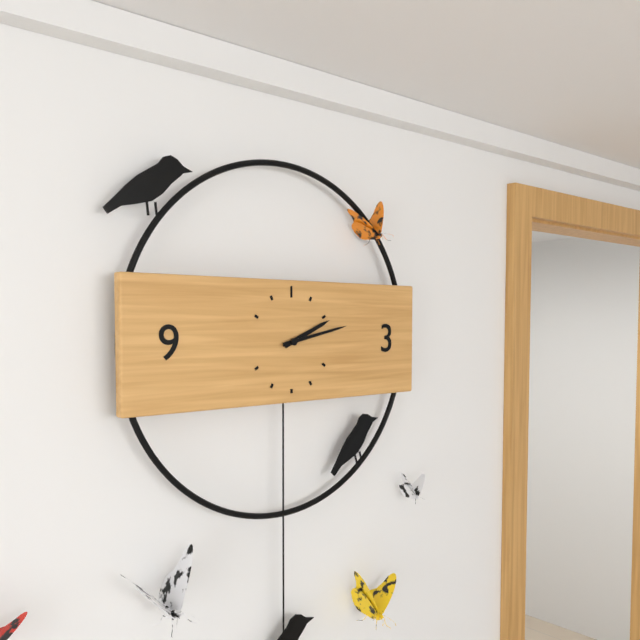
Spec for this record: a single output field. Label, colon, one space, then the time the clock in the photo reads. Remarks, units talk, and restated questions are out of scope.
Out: 2:13
